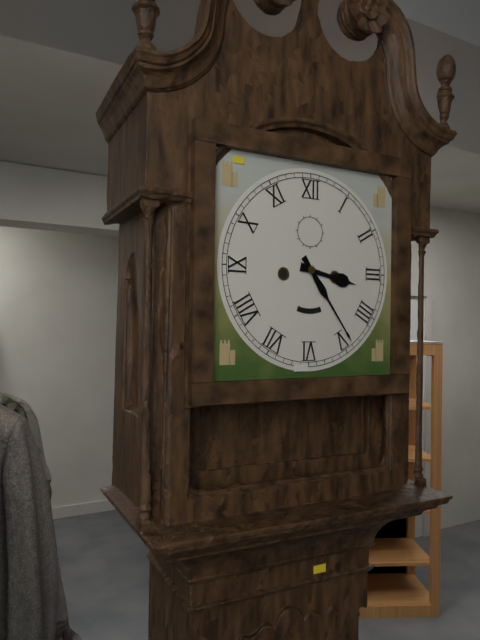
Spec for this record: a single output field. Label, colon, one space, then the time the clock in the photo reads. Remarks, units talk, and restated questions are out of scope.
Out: 3:24
